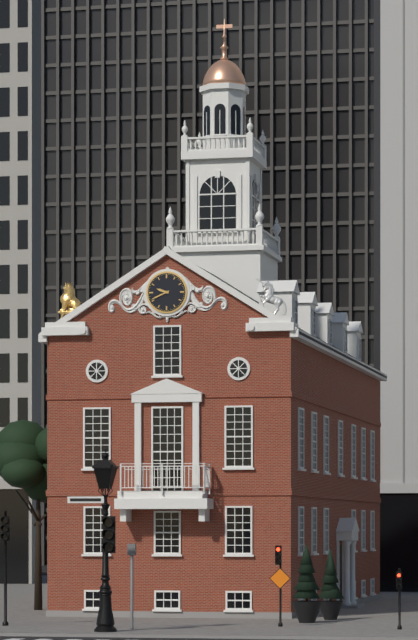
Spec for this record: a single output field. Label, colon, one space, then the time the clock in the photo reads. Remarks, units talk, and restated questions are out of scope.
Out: 9:41
